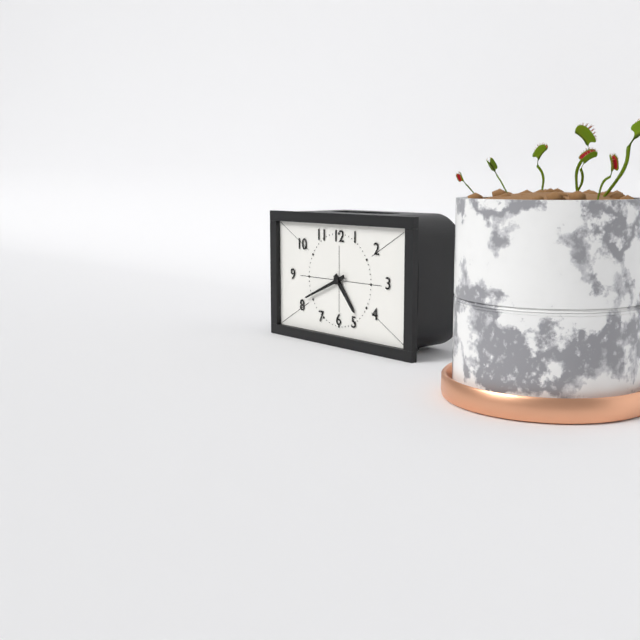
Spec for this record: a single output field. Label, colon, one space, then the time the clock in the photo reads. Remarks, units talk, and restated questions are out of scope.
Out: 4:41
